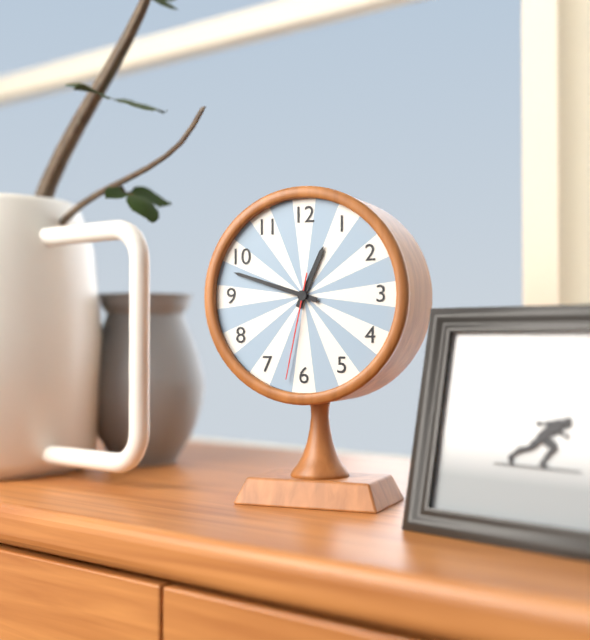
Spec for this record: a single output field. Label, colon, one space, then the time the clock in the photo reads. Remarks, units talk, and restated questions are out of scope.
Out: 12:48:32
